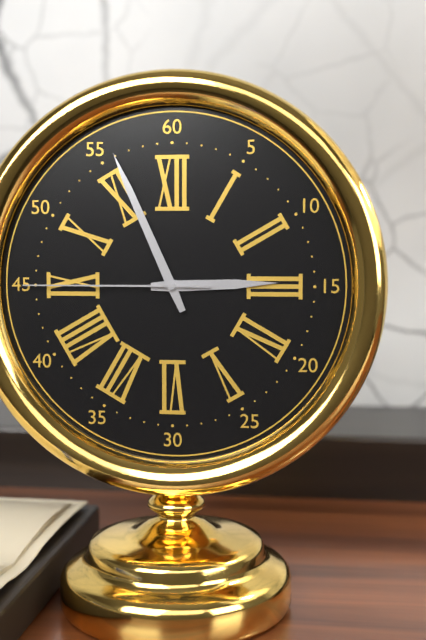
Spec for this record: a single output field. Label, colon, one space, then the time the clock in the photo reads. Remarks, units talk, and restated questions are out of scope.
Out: 2:56:45
